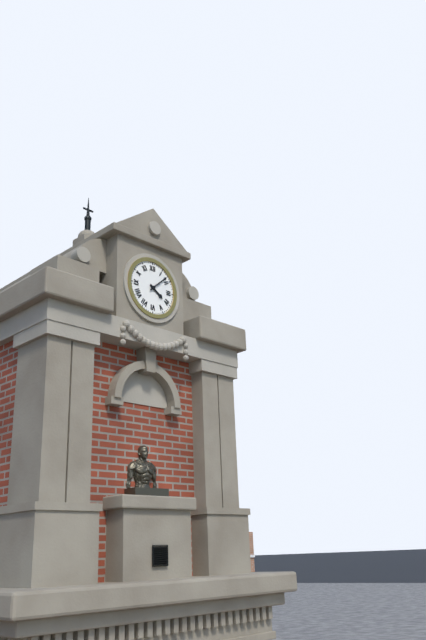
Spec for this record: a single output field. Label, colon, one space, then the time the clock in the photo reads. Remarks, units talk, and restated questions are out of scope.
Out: 4:08
